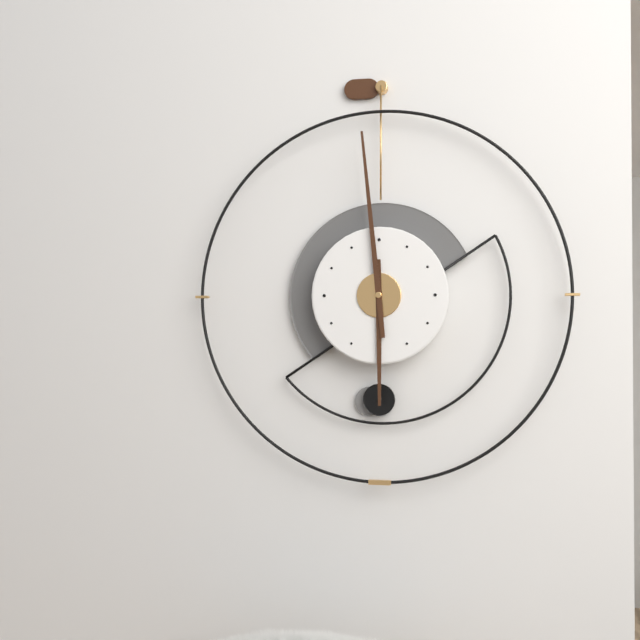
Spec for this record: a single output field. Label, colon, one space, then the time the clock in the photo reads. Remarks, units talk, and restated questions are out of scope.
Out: 5:59
